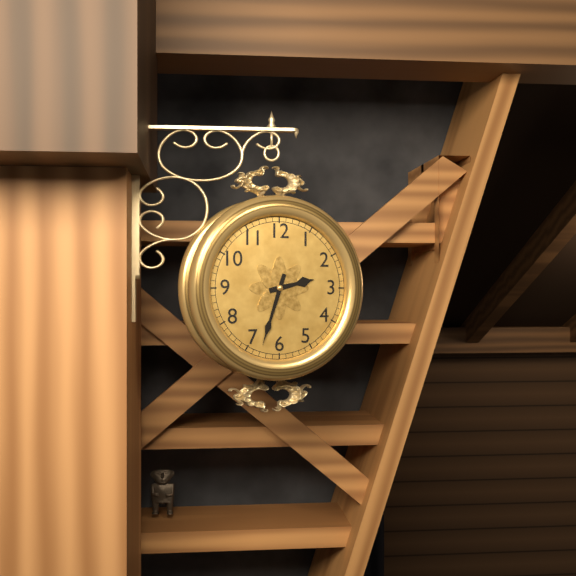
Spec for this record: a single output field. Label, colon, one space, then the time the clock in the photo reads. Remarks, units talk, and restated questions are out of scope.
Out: 2:33
